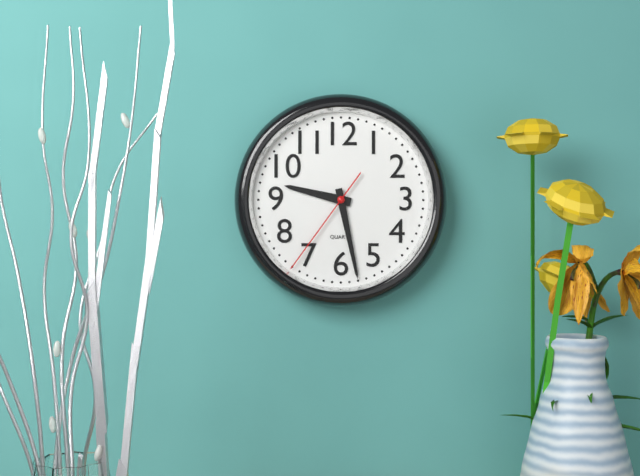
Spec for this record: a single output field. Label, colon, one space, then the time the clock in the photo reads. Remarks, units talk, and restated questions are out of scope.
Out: 9:28:36
